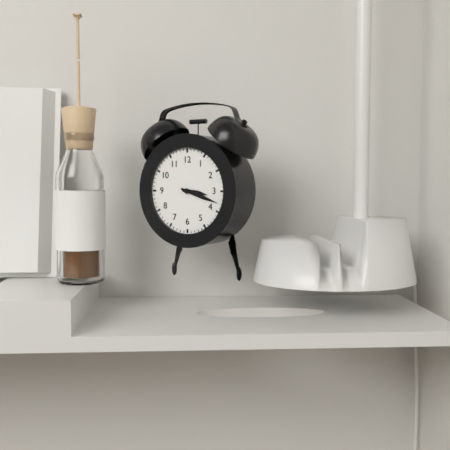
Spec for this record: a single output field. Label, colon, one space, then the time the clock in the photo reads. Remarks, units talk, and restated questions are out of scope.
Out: 3:18
